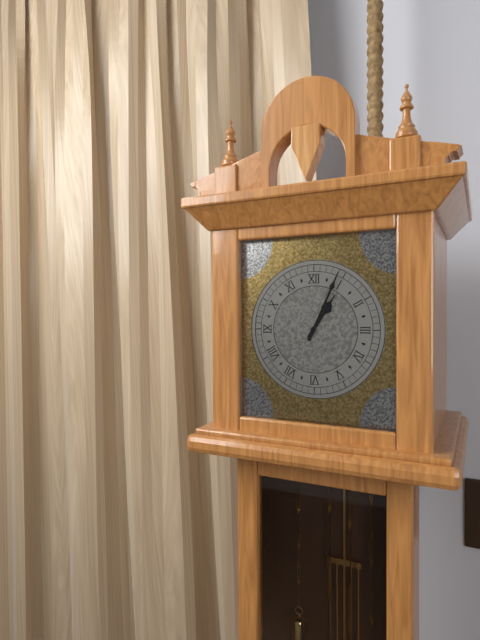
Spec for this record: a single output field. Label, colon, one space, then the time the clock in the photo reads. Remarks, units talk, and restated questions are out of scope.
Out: 1:04
